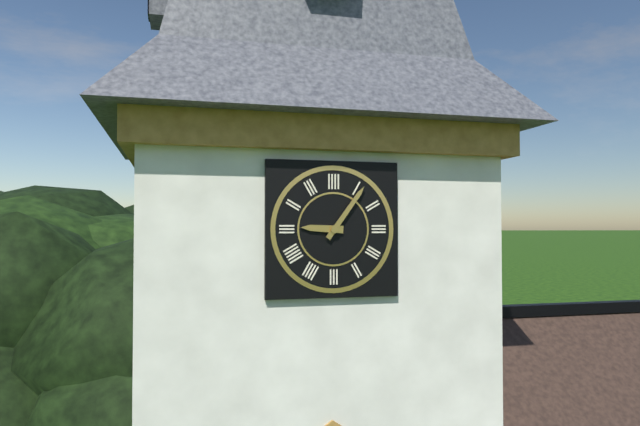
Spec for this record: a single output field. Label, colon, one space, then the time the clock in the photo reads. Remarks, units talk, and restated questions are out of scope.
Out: 9:06
